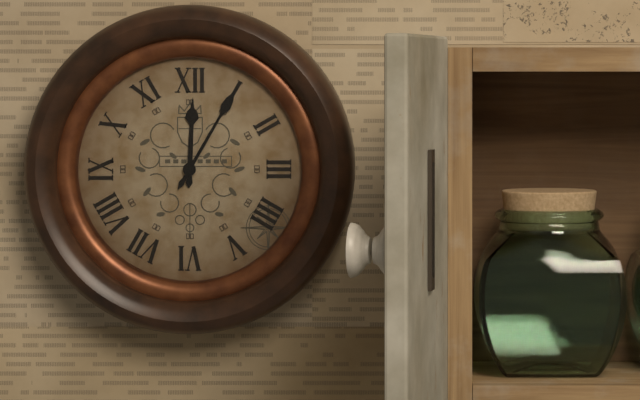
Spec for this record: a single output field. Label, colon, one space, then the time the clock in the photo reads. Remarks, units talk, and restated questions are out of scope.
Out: 12:05
